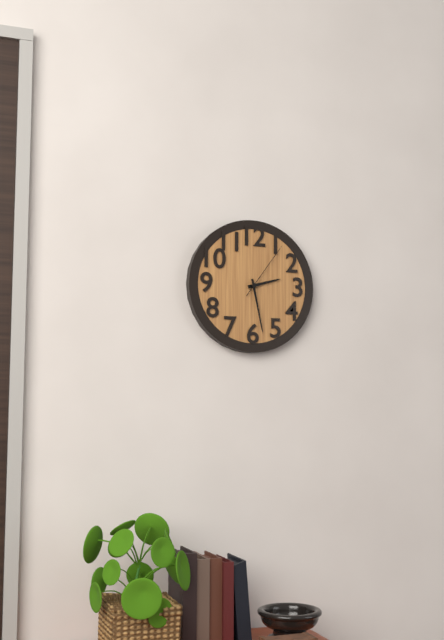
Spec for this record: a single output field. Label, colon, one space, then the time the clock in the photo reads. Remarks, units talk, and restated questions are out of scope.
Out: 2:28:06
